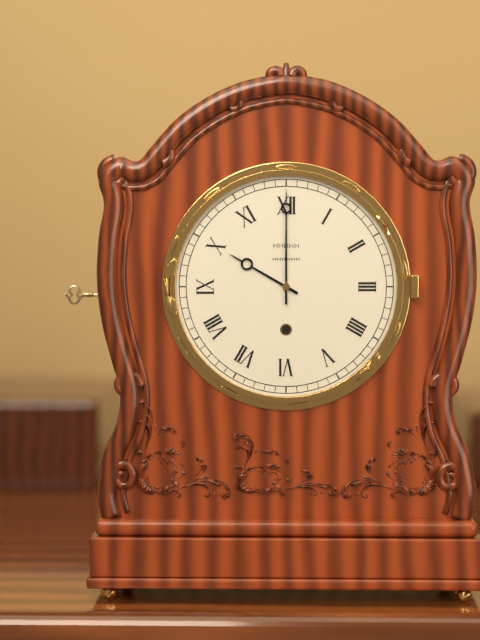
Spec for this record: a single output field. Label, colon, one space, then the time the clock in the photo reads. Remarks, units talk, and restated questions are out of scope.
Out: 10:00
